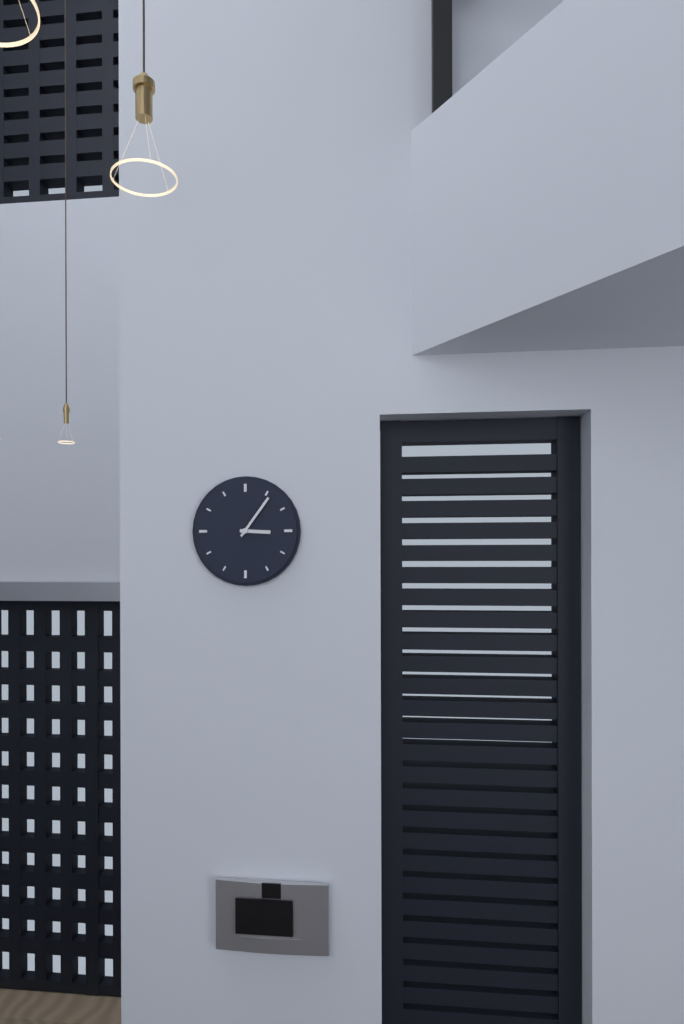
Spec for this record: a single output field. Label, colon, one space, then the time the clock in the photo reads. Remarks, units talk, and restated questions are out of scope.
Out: 3:06
